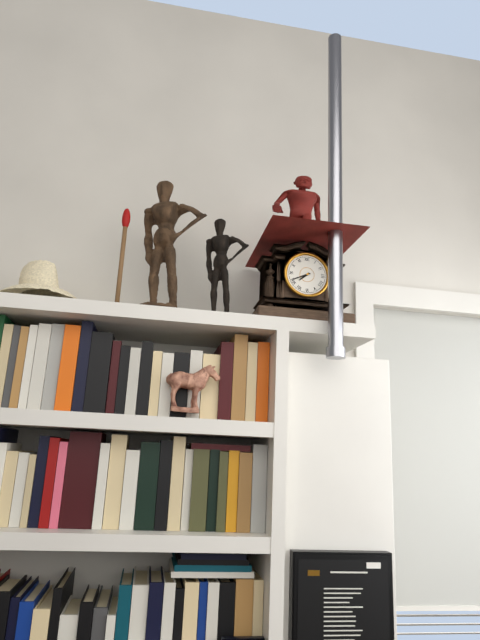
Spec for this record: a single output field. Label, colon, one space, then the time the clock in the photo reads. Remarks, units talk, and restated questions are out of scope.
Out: 7:41
